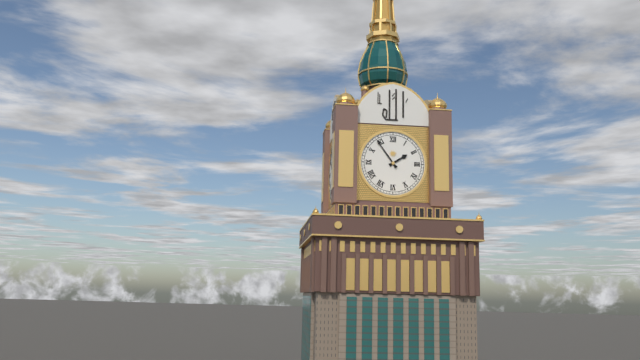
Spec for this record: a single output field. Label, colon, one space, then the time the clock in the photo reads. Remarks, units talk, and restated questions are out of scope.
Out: 1:54
